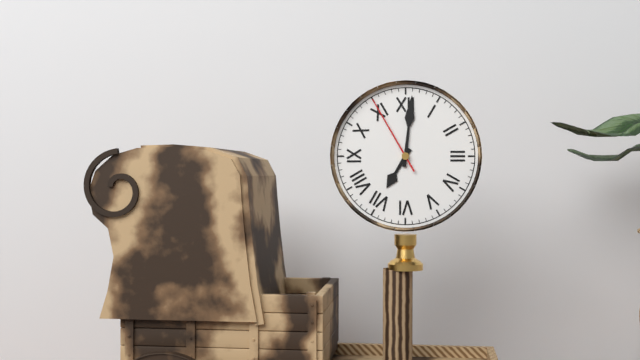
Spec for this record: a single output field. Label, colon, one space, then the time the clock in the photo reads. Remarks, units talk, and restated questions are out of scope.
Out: 7:01:55
